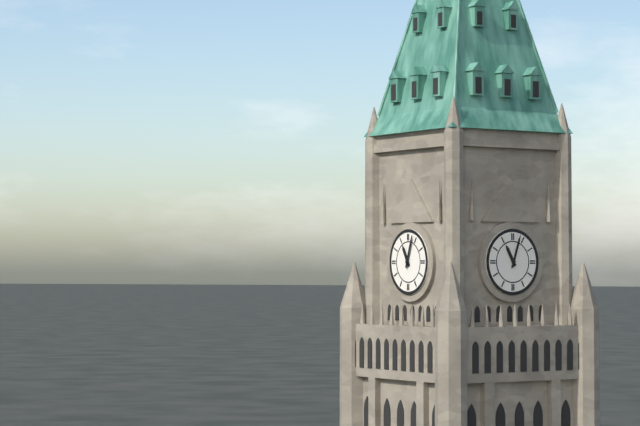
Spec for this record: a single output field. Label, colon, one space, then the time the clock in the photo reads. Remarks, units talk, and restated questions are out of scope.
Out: 11:03
